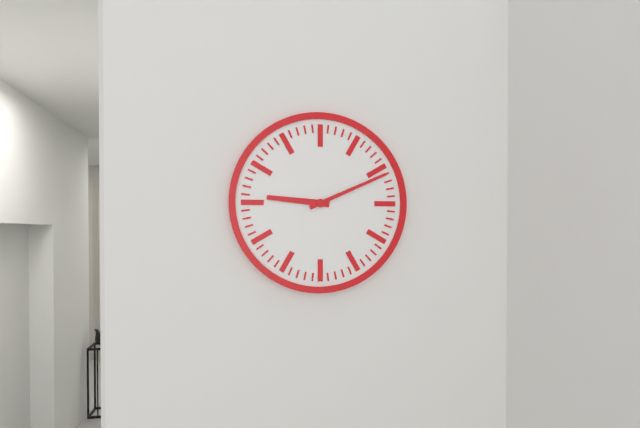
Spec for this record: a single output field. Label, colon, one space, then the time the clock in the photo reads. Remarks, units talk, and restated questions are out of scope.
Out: 9:11
